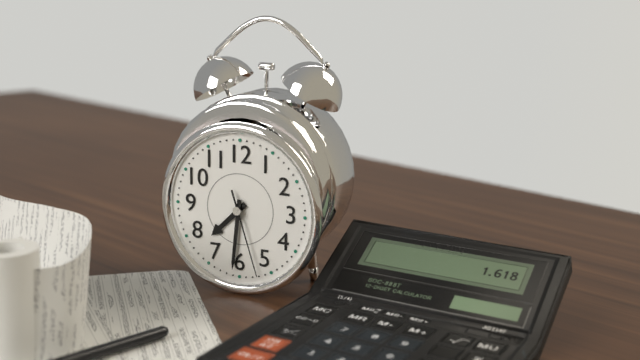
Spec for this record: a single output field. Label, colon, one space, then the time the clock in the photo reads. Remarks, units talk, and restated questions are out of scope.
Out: 7:31:27
